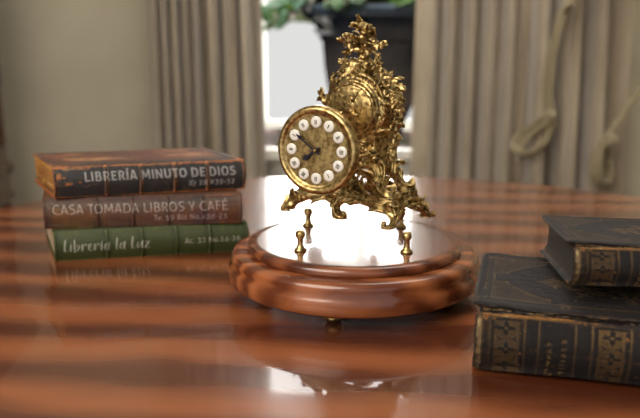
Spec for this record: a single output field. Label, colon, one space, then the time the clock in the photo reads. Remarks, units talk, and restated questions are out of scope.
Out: 7:51
